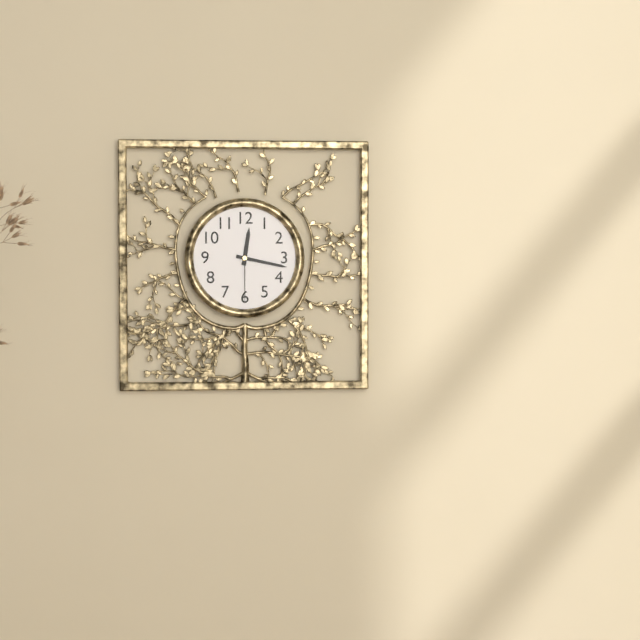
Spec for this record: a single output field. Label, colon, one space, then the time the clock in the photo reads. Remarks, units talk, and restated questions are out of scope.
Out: 12:17:30
